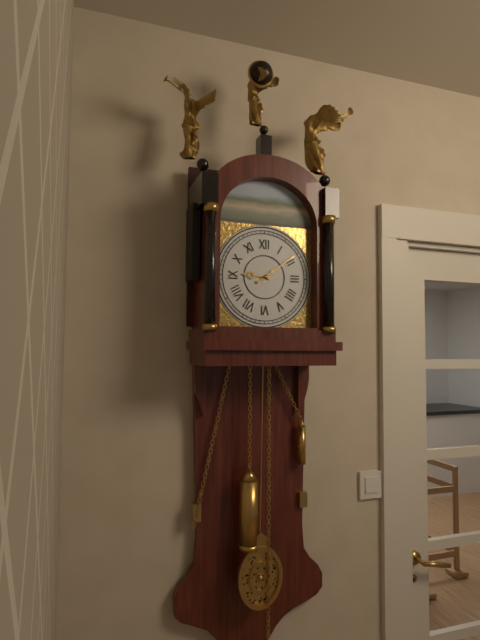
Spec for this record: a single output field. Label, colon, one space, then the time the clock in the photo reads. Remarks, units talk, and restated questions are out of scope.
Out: 9:09
